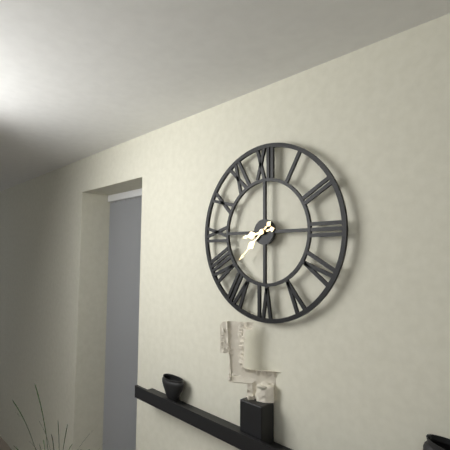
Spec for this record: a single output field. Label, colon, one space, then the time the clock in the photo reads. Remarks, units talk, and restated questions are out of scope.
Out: 8:38
